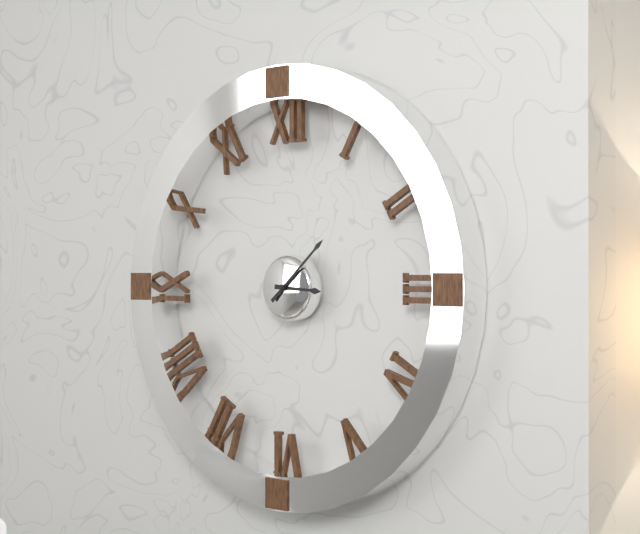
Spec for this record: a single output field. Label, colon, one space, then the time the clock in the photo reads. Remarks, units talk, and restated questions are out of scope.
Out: 3:08
